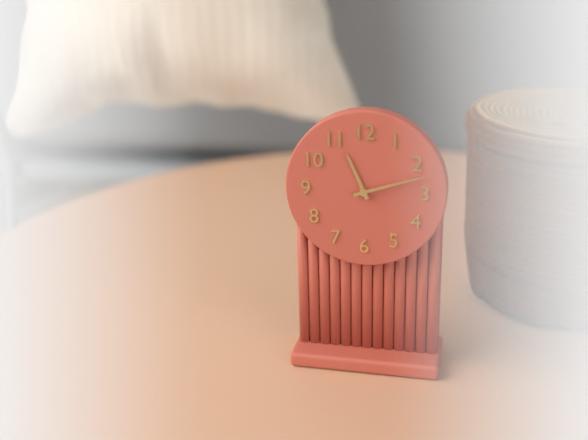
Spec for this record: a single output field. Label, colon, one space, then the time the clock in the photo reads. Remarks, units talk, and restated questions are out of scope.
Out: 11:12
